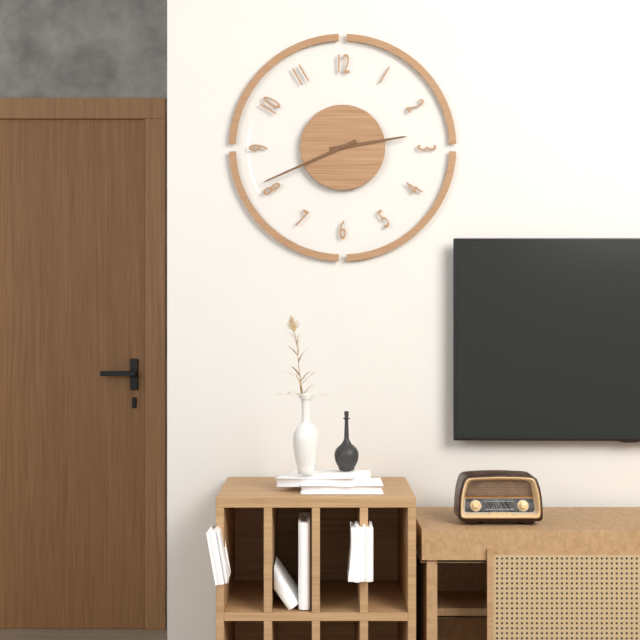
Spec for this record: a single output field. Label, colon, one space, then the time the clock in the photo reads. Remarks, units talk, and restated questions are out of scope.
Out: 2:41
